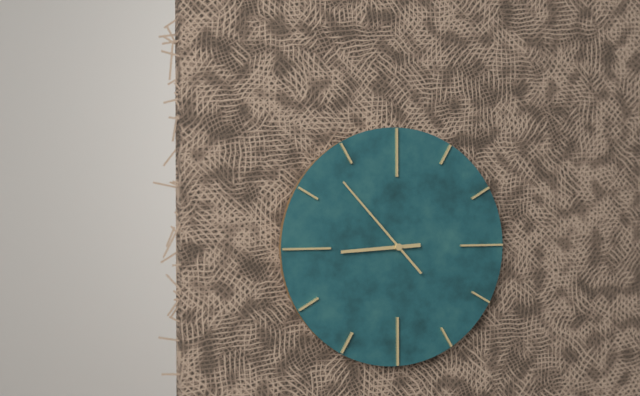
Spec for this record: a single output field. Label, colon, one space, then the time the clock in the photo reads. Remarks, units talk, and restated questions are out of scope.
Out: 8:53
